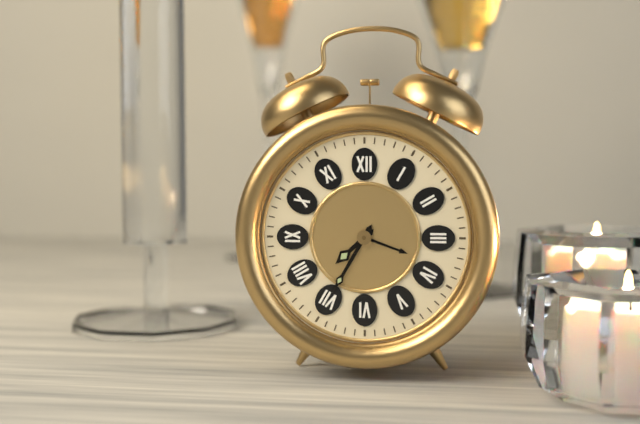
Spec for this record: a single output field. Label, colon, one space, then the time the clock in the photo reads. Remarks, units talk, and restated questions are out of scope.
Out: 7:35
